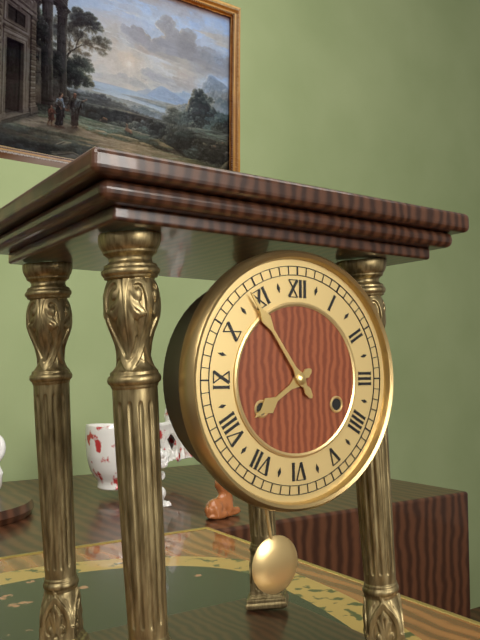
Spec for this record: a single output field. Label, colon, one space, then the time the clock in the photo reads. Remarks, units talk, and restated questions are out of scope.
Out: 7:54
